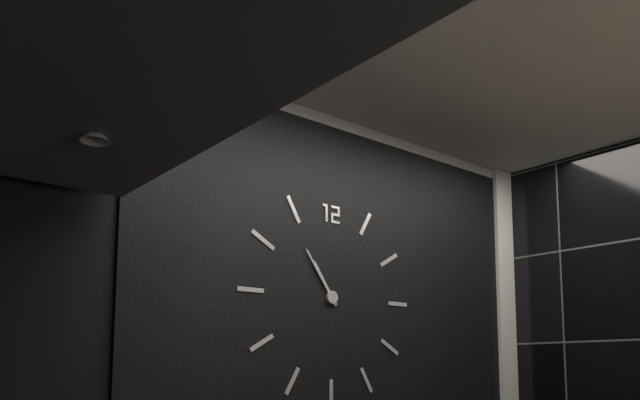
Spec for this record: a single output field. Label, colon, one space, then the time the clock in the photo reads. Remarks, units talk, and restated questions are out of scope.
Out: 10:54
